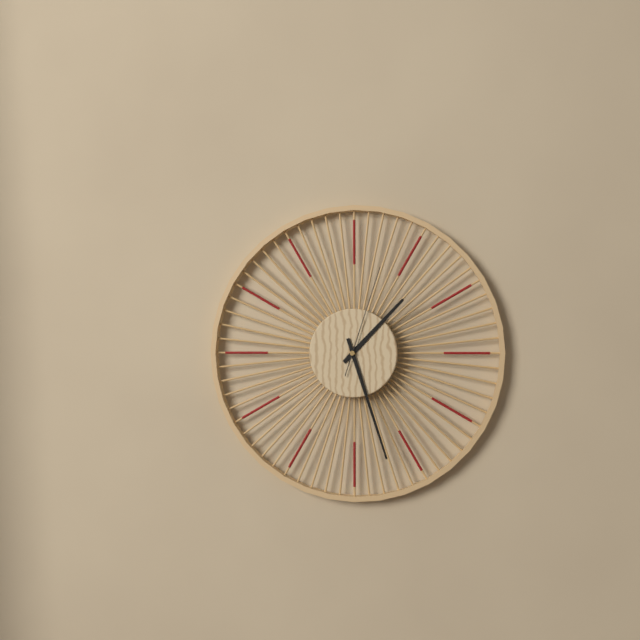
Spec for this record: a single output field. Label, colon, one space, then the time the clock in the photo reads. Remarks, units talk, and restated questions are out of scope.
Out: 1:27:03
